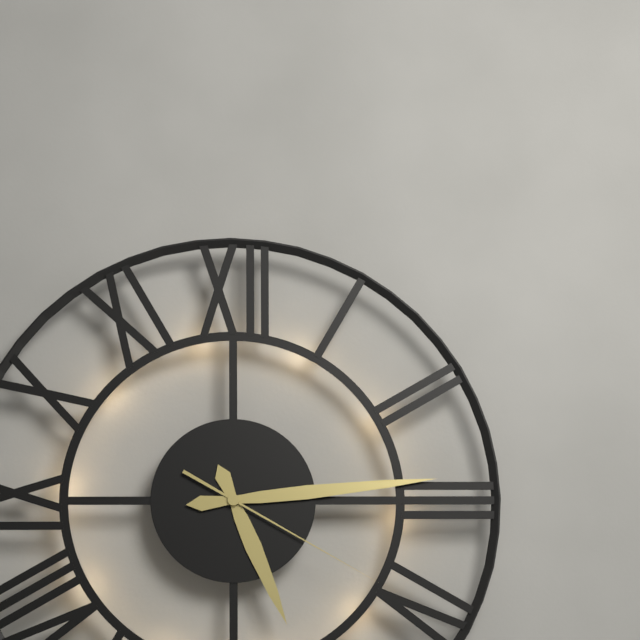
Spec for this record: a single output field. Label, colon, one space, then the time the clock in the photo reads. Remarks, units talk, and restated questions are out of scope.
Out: 5:14:20
